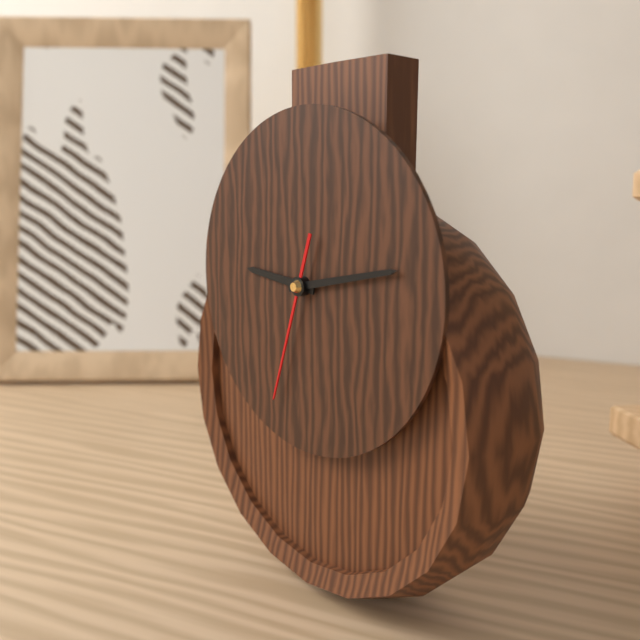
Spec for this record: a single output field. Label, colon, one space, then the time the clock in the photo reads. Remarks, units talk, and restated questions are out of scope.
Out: 9:13:33
